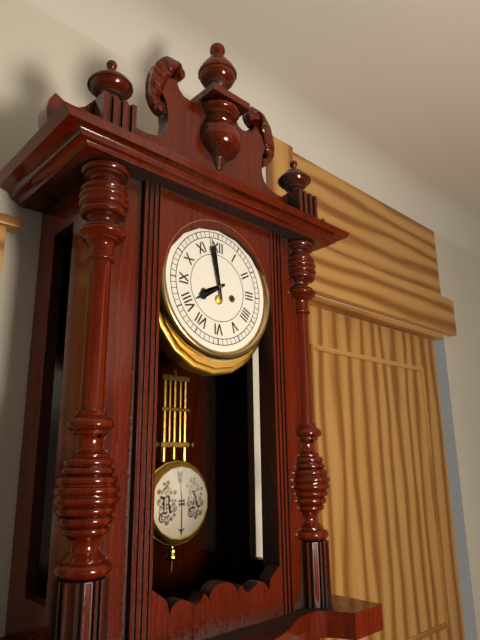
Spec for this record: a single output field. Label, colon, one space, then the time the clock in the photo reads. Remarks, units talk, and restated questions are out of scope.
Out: 7:58
